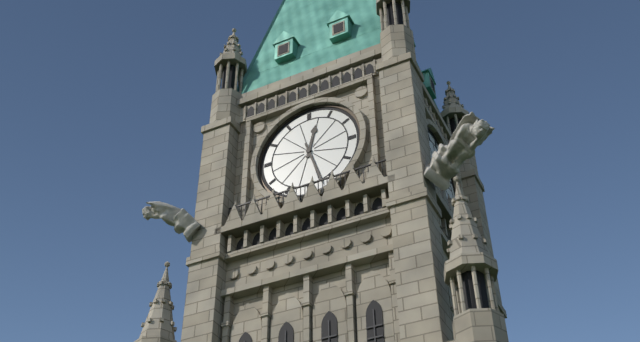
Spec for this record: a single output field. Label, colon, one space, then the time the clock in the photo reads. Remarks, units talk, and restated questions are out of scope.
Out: 12:27
